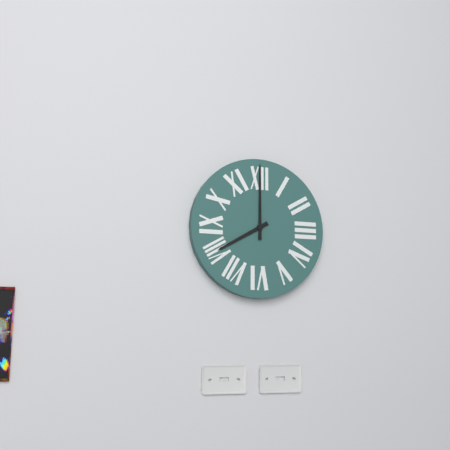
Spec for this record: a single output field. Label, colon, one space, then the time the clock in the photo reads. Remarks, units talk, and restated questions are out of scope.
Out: 8:00
